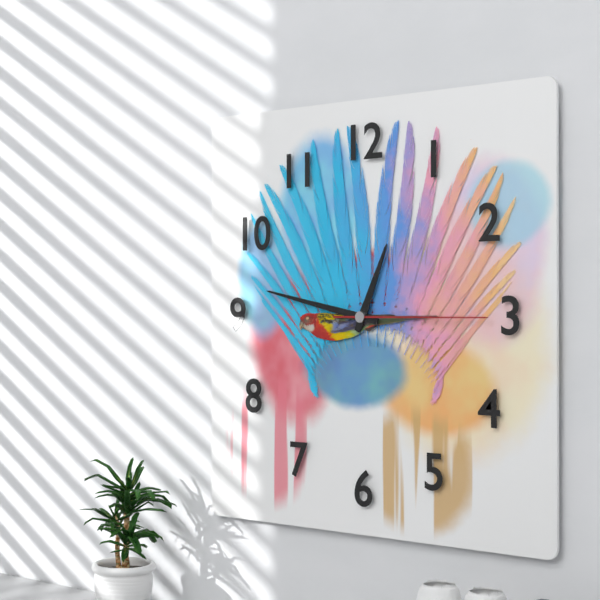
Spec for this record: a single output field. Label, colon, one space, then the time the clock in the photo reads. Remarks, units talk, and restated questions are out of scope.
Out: 12:47:15
